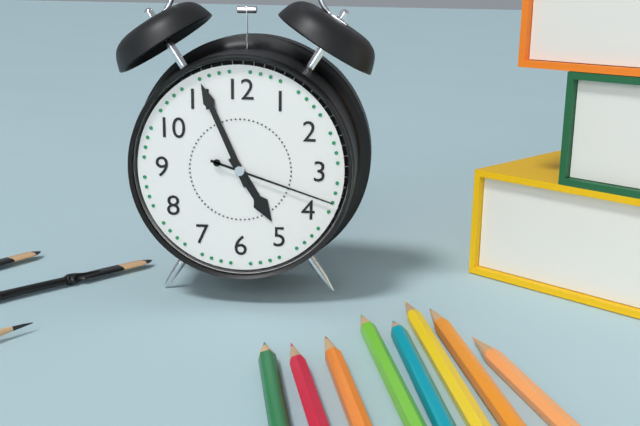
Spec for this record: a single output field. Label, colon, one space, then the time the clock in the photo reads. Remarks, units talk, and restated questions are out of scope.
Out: 4:56:18
